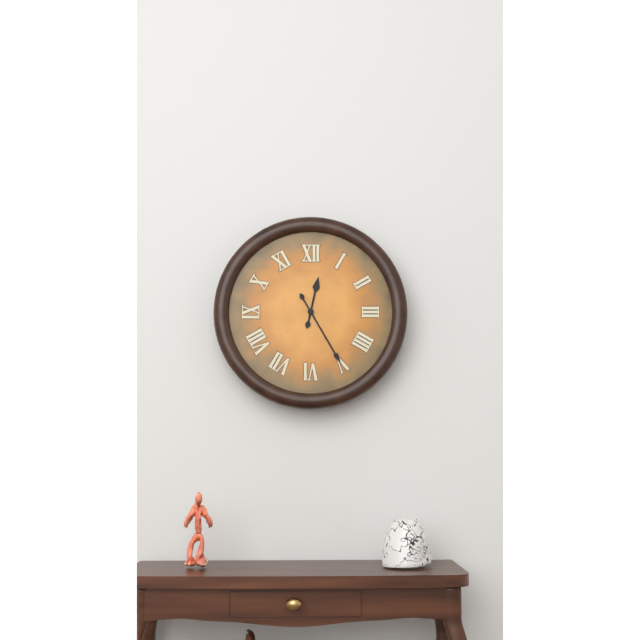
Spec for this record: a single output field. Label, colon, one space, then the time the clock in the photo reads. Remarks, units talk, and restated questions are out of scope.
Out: 12:25
